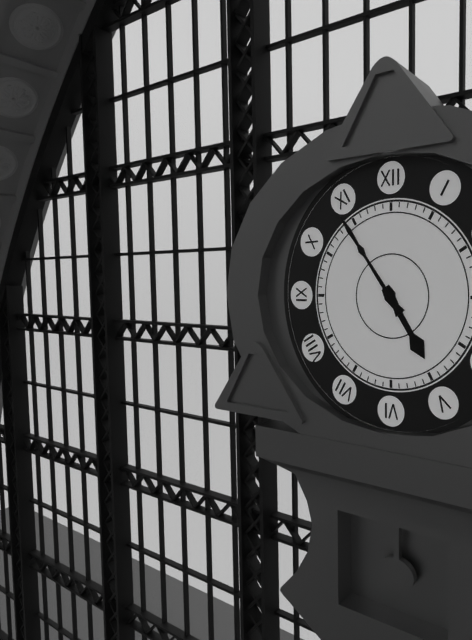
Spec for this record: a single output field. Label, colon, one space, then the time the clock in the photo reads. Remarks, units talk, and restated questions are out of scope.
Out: 4:54
